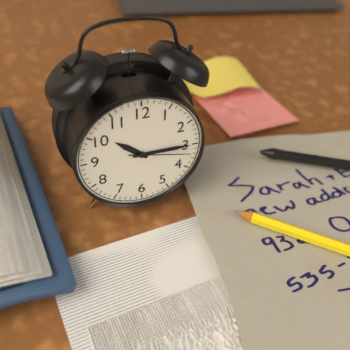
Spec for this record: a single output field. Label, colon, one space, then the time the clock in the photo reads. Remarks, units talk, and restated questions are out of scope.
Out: 10:15:17
